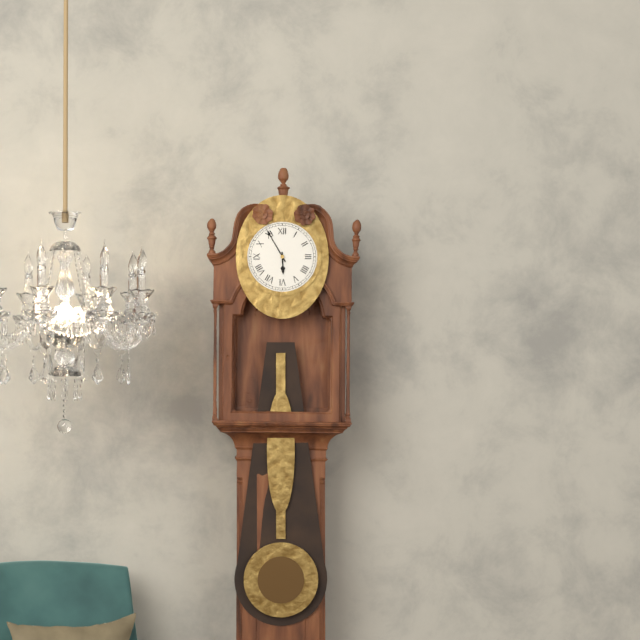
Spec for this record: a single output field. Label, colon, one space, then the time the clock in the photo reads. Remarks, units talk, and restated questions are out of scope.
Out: 5:55
